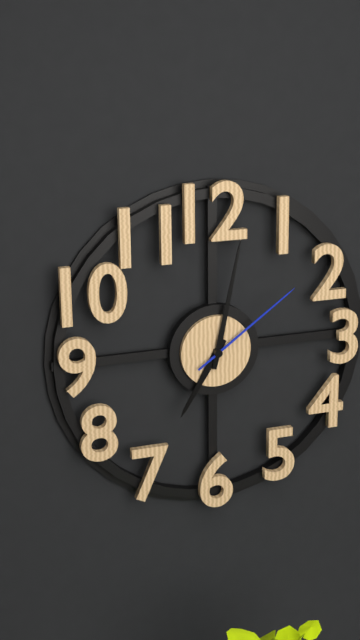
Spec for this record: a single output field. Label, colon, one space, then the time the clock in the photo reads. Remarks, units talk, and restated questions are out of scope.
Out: 7:02:09
